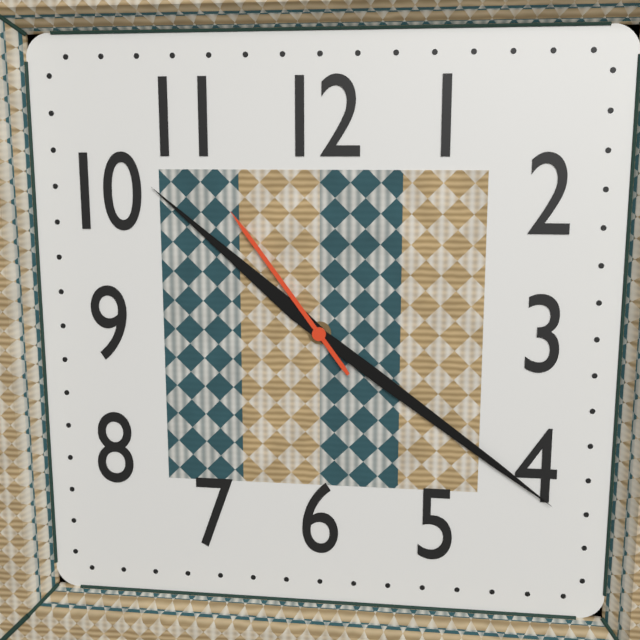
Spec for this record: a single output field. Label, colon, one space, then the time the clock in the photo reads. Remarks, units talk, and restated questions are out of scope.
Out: 10:21:54
